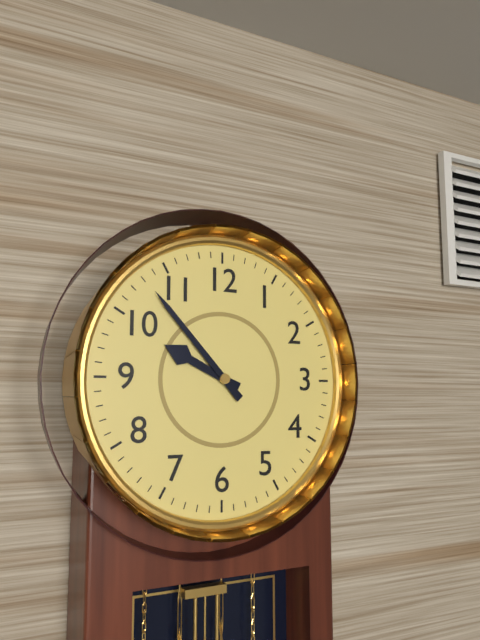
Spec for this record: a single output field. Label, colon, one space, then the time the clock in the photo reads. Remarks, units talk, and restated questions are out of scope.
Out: 9:53
